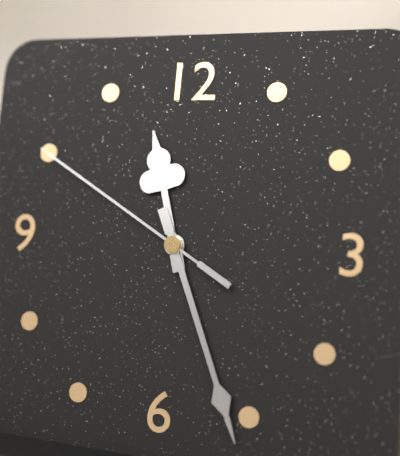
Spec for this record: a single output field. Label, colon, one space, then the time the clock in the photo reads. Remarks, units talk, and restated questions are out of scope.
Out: 11:26:50
